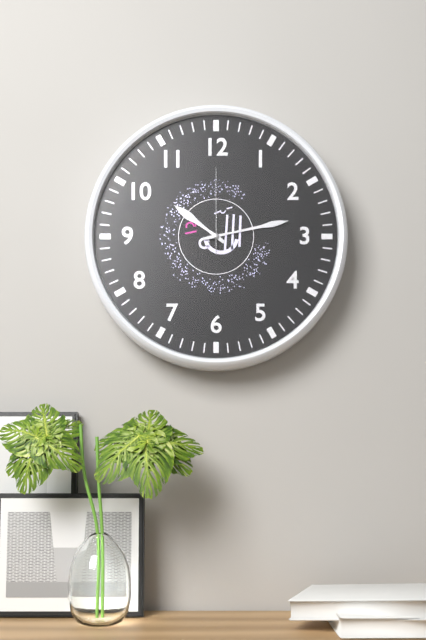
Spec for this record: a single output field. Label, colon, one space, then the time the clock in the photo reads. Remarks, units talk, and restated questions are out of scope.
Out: 10:13:00
